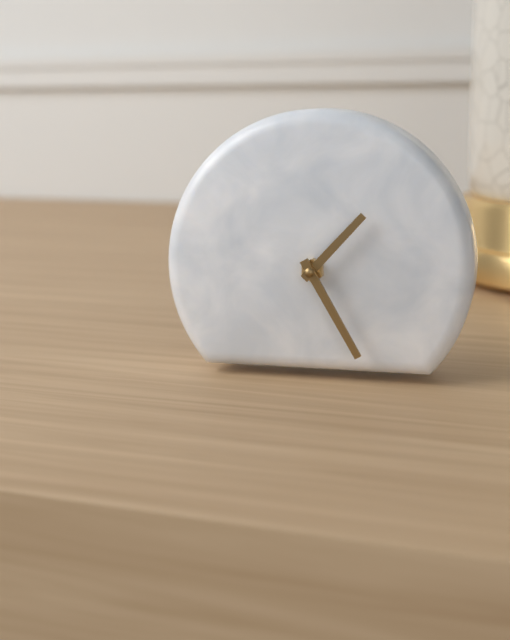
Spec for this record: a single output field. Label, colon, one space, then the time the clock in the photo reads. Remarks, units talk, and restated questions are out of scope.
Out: 1:25
